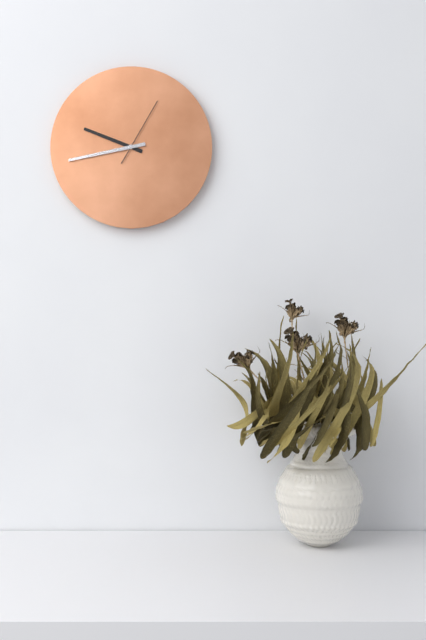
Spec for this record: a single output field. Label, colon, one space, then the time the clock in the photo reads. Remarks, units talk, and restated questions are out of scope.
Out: 9:43:05
